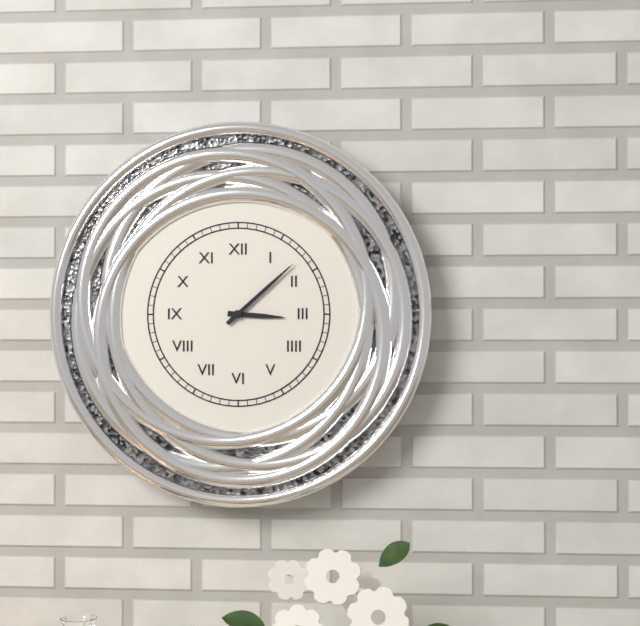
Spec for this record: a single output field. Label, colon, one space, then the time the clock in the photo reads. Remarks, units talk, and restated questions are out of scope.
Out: 3:08
